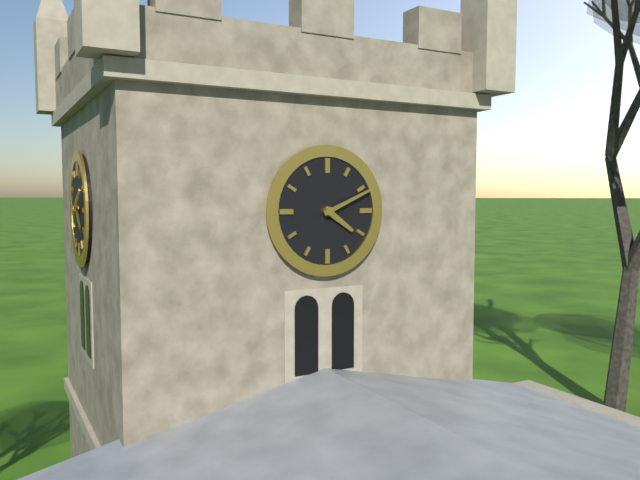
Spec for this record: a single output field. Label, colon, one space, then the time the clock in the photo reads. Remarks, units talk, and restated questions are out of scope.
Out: 4:11
